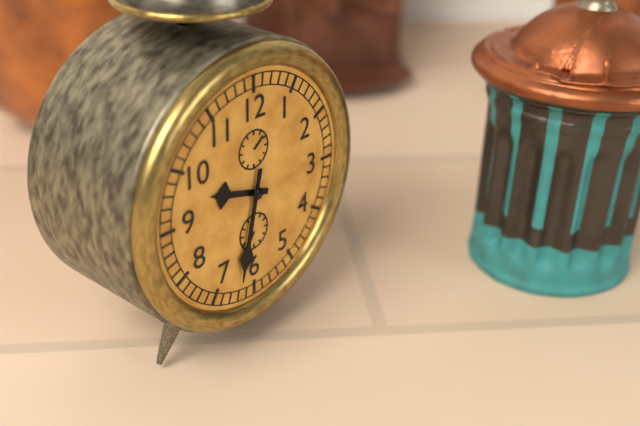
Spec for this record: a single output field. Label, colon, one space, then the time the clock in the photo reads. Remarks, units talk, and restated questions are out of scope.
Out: 9:32
